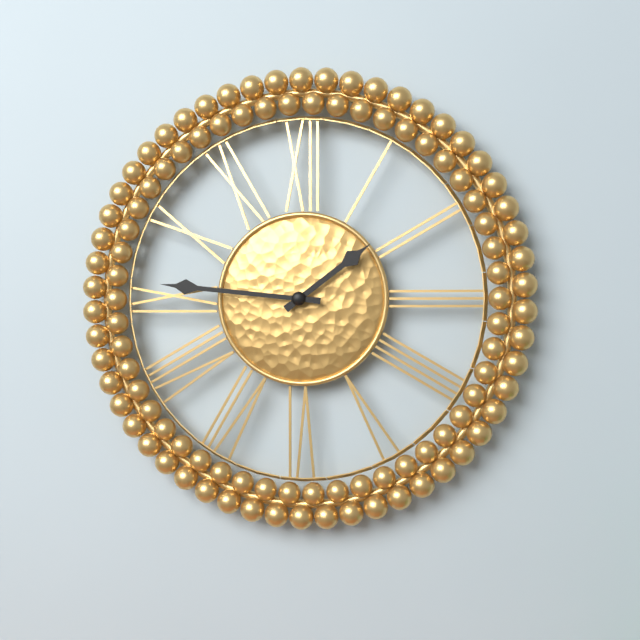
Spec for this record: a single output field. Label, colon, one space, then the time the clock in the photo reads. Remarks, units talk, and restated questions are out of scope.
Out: 1:46
